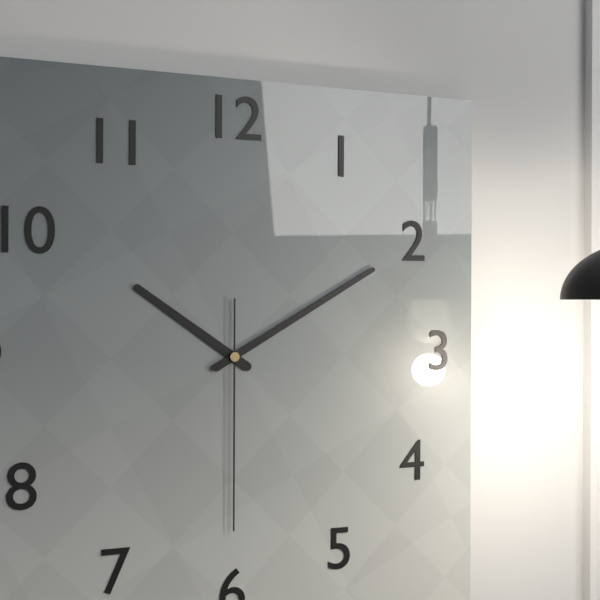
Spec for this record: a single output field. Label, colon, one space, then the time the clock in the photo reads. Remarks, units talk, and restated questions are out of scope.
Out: 10:10:30
